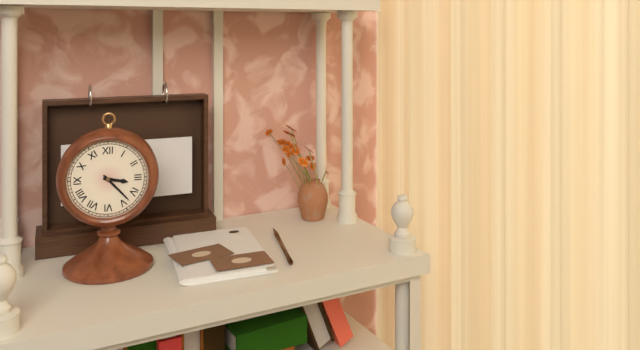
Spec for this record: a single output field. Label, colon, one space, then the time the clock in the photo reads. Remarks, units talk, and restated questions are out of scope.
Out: 3:23
